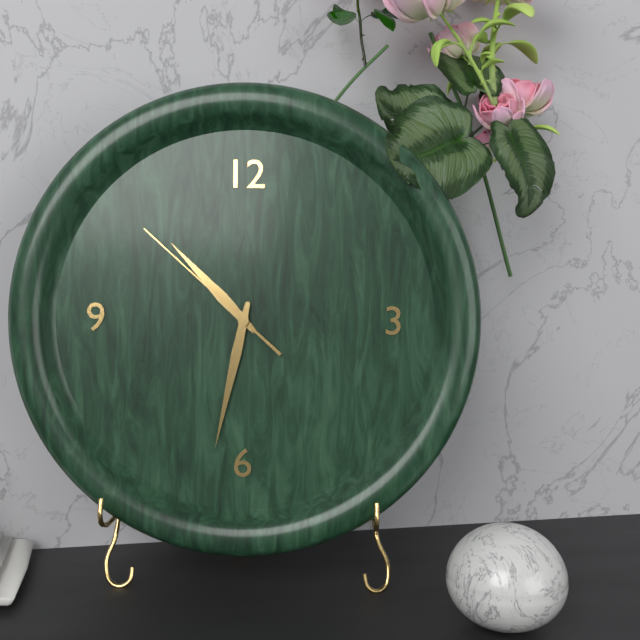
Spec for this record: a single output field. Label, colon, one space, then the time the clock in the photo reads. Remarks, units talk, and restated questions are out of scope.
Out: 10:32:52
